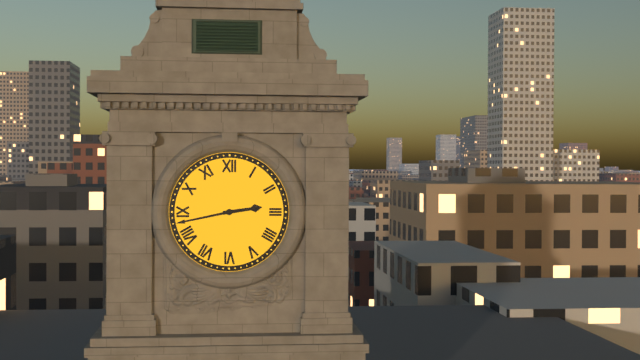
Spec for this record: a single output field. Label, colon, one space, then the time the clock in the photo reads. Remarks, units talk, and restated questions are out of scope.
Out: 2:43
